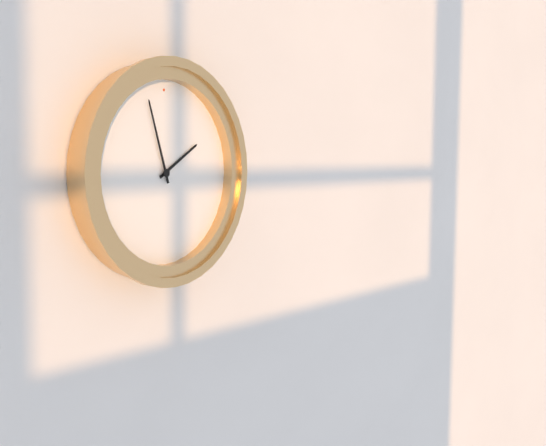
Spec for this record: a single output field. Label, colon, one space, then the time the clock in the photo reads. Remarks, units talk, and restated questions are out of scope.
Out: 1:57
